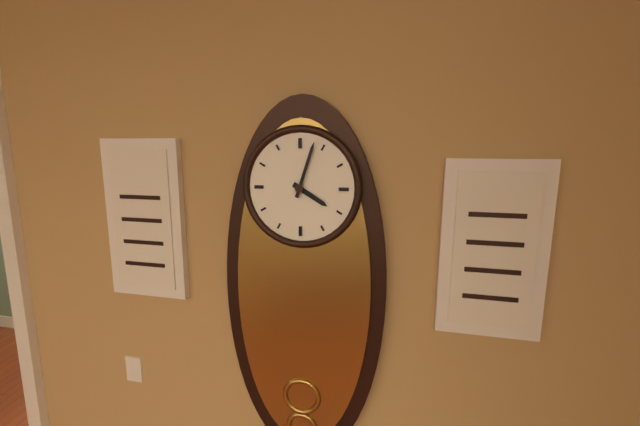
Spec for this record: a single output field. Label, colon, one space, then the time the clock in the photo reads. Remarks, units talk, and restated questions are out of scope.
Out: 4:03
